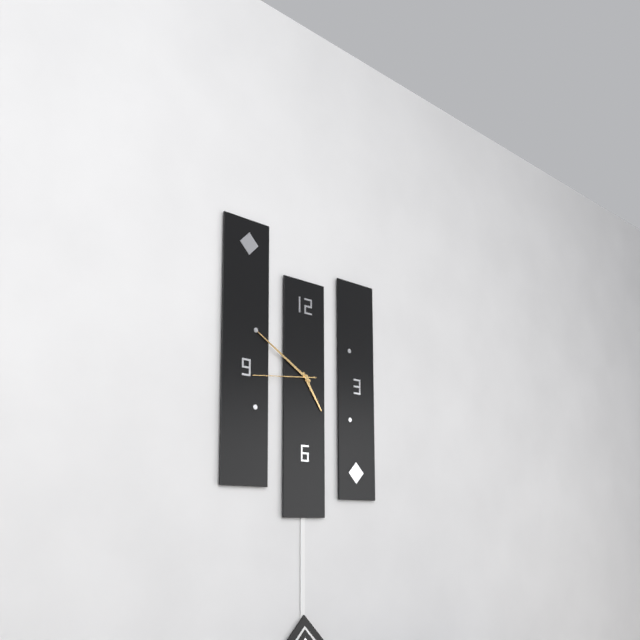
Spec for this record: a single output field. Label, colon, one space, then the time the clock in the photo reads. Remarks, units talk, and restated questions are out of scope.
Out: 4:50:44
